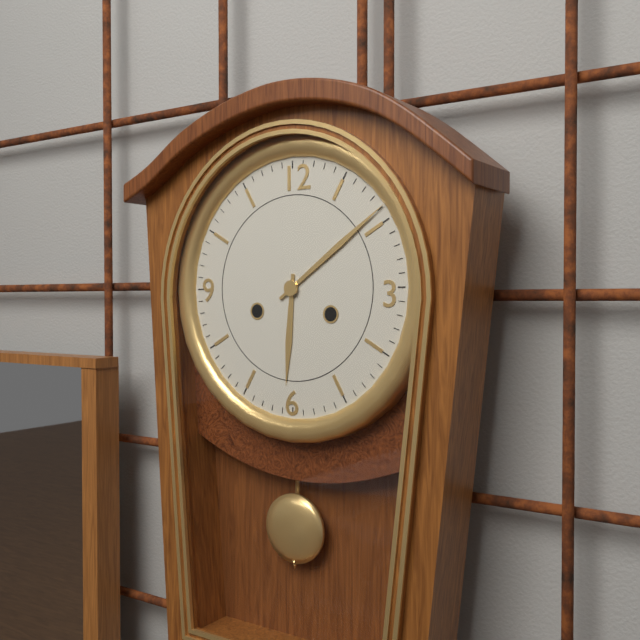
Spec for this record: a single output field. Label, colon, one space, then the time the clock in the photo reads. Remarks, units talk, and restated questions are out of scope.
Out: 6:09
